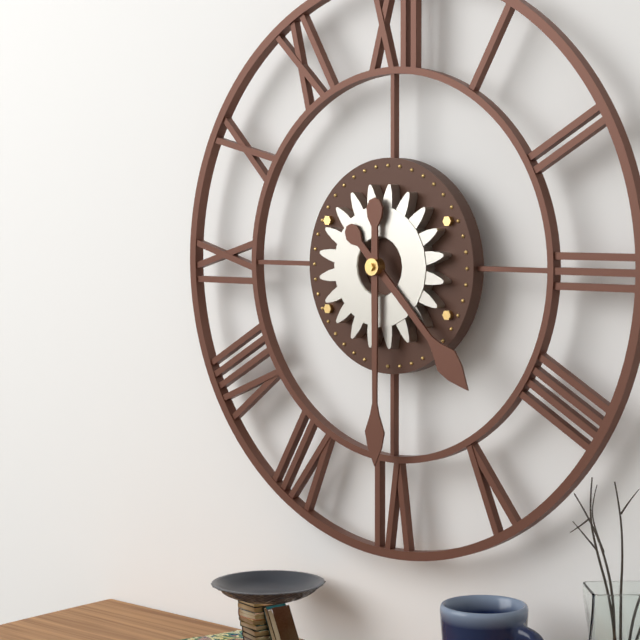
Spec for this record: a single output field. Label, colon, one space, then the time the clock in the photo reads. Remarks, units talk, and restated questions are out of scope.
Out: 4:30
